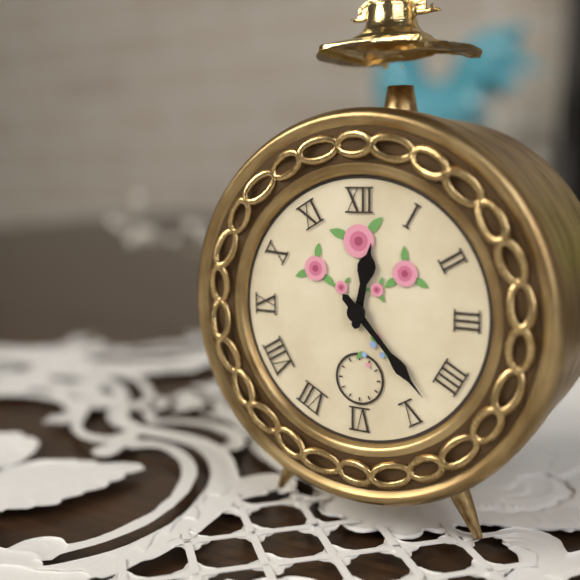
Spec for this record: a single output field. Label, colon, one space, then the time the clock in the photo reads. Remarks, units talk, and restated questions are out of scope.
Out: 12:23
